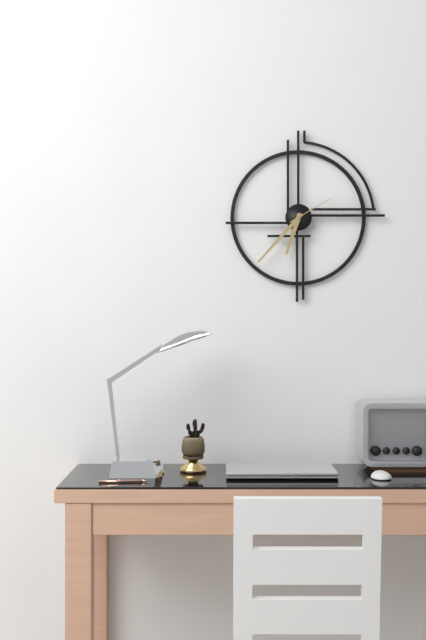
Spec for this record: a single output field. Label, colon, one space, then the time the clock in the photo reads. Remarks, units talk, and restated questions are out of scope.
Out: 6:37
